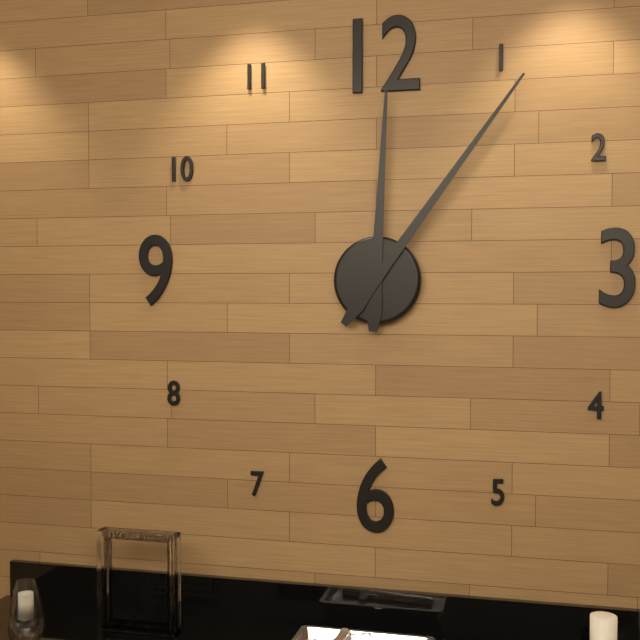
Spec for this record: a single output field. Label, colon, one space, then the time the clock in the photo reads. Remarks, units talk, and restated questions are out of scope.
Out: 12:06
